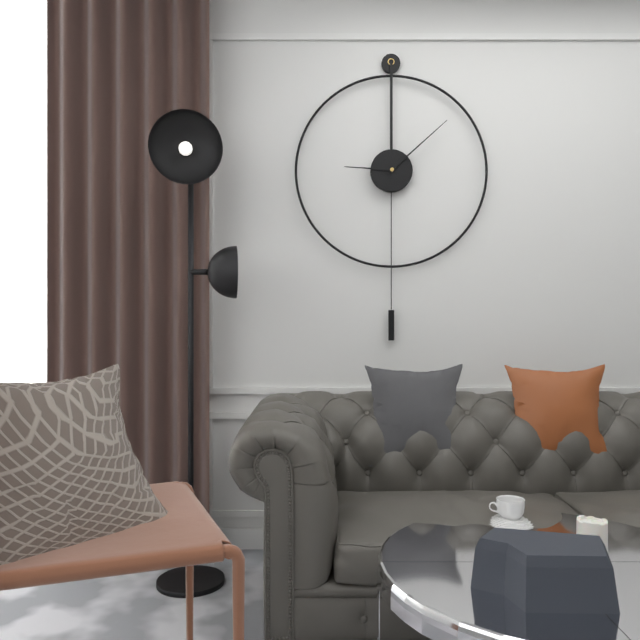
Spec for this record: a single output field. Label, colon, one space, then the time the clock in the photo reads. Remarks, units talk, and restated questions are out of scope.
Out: 9:08
